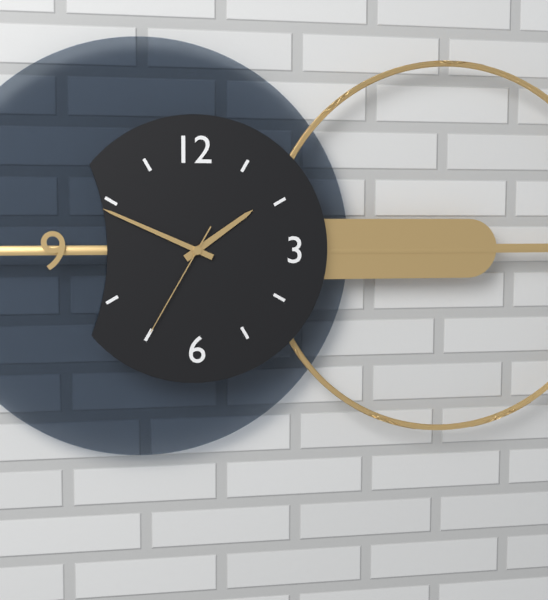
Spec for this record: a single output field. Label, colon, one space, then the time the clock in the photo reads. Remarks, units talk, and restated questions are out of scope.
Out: 1:49:35
